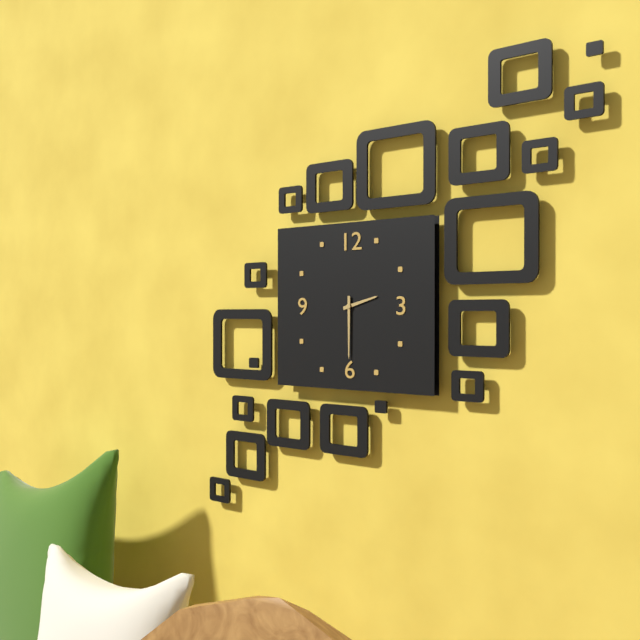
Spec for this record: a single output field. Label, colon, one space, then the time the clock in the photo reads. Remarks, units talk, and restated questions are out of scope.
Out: 2:30
